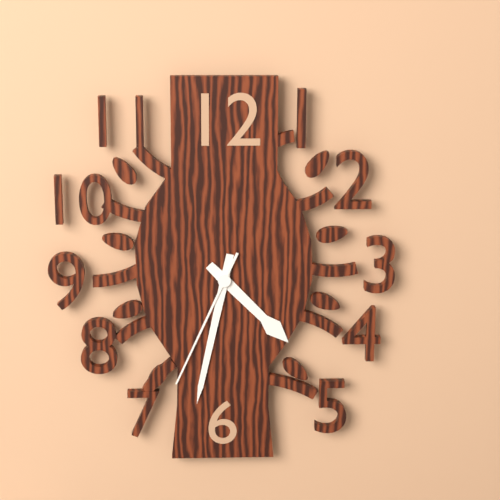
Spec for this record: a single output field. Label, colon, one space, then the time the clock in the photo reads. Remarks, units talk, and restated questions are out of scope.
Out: 4:32:34
